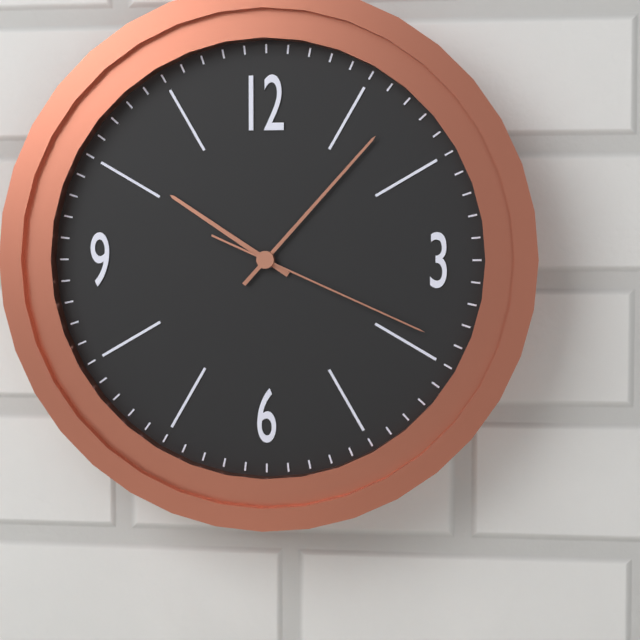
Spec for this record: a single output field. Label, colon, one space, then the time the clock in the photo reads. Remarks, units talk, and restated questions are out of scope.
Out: 10:07:19
